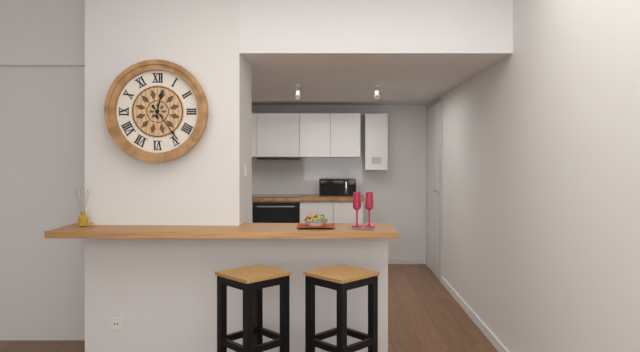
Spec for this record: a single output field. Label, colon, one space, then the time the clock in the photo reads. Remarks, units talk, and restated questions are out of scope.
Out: 12:24
